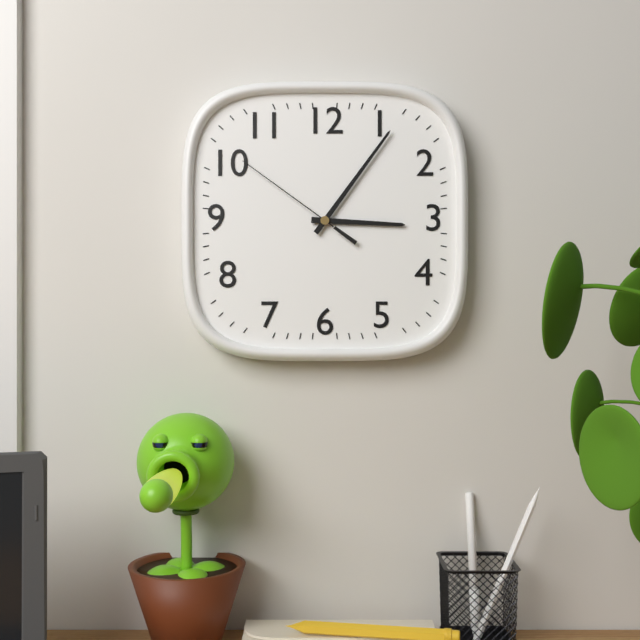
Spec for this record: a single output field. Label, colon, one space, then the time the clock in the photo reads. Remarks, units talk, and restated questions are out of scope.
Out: 3:06:51
